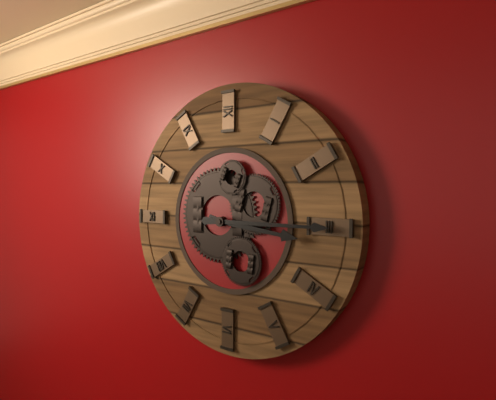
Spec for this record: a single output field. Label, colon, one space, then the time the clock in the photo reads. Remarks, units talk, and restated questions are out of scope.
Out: 3:15
